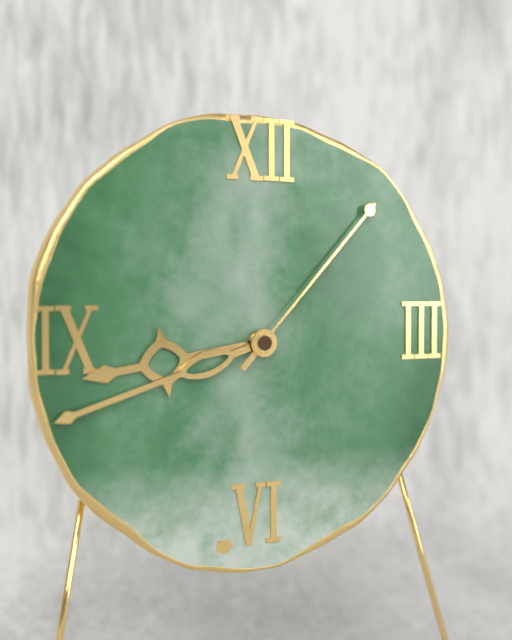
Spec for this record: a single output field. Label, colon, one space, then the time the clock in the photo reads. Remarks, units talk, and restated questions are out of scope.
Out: 8:42:07
